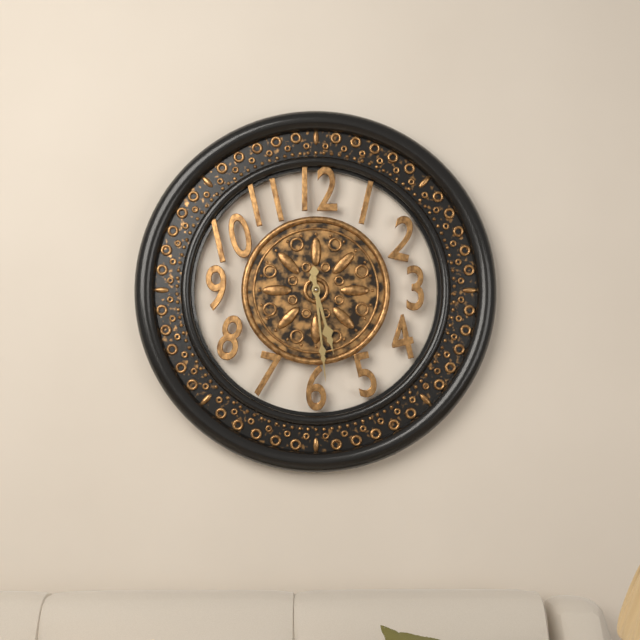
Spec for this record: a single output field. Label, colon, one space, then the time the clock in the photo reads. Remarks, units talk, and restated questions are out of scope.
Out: 5:29
